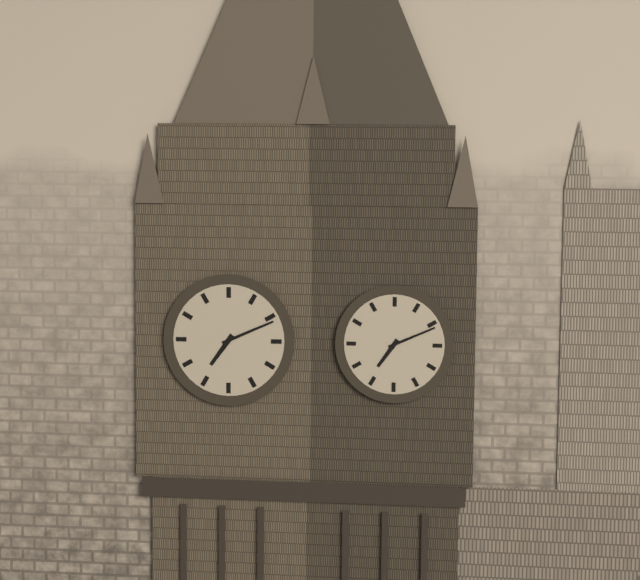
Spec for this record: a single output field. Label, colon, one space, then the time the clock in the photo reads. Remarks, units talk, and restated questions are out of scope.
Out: 7:11
